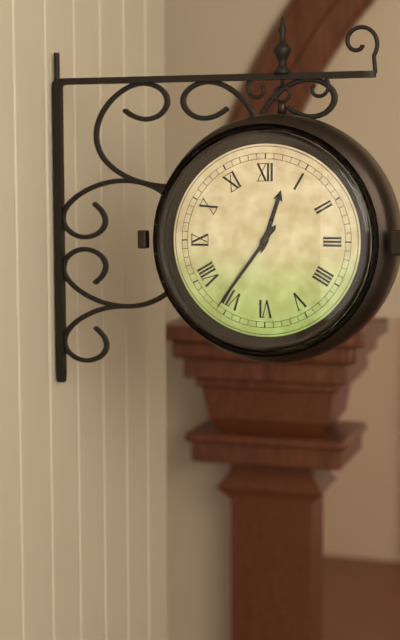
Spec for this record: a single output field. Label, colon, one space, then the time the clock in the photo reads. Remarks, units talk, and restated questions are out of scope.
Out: 12:36
